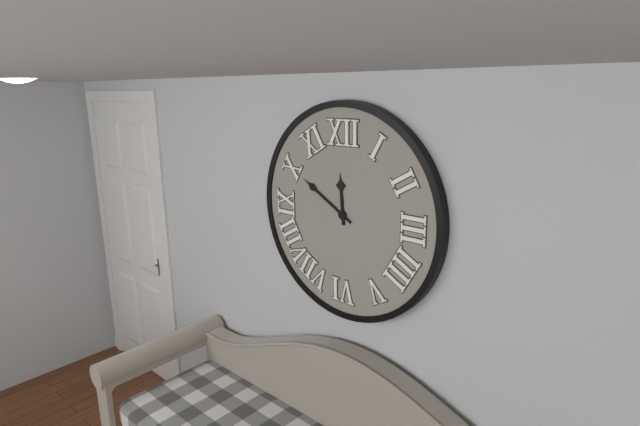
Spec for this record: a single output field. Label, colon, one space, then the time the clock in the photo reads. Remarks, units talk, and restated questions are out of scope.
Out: 11:50
